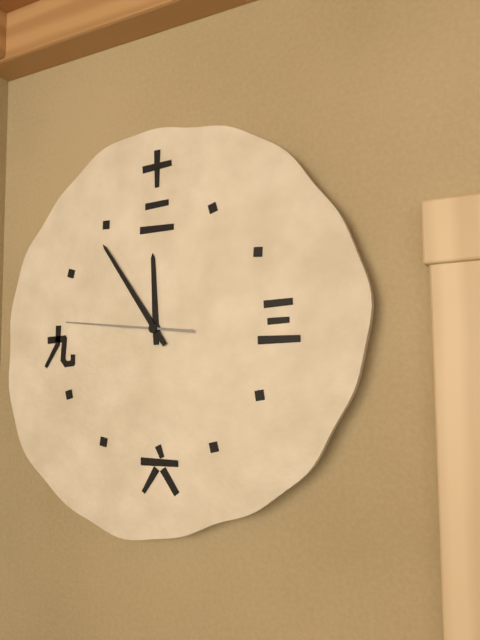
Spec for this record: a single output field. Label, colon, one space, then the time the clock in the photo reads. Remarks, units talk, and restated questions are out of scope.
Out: 11:54:46
